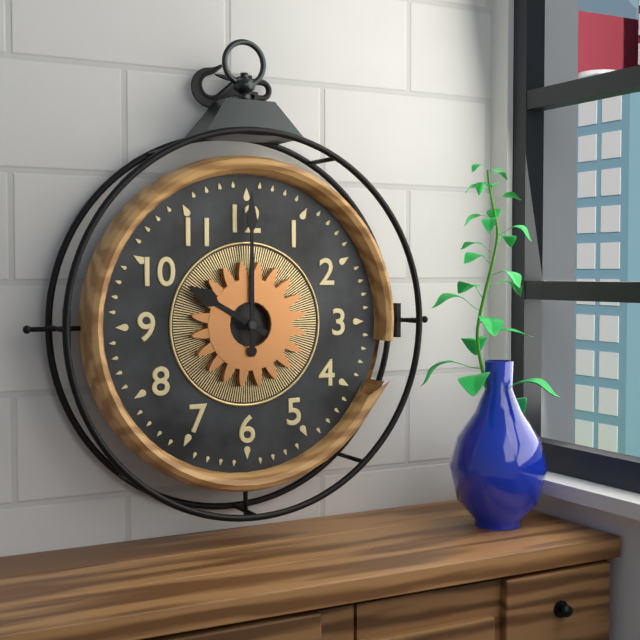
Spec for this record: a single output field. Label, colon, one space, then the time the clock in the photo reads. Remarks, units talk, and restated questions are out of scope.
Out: 10:00
